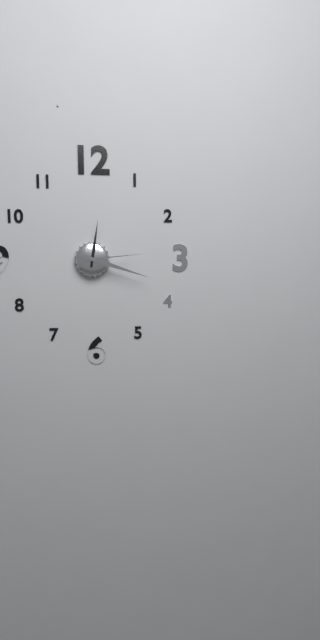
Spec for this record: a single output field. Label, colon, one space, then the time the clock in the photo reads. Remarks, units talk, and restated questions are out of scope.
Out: 12:18:14
